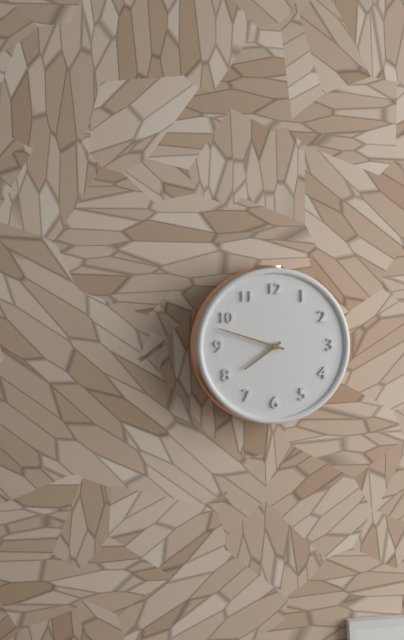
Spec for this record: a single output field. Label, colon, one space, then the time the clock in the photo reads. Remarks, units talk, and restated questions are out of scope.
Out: 7:48
